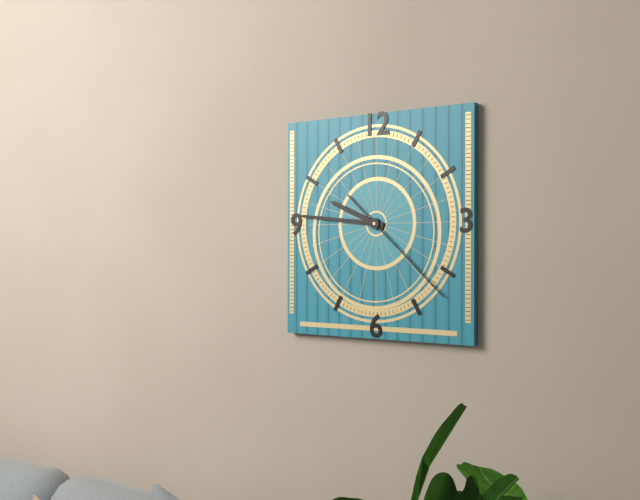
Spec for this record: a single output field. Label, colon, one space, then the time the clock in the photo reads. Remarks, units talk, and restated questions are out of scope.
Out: 9:46:22
